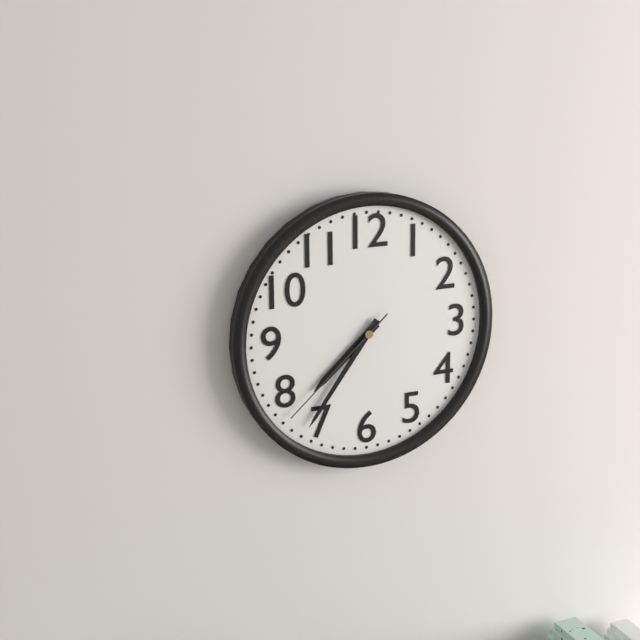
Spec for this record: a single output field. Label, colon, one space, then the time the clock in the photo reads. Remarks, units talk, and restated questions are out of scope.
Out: 7:36:38
